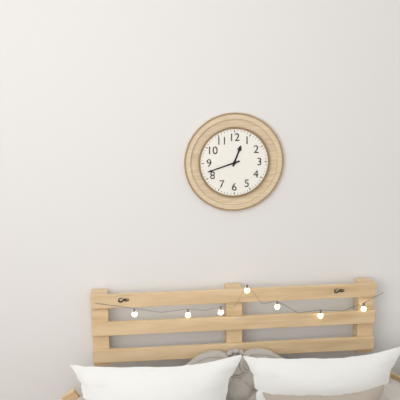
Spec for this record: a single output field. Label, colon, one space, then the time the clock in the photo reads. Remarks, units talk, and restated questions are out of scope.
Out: 12:42
